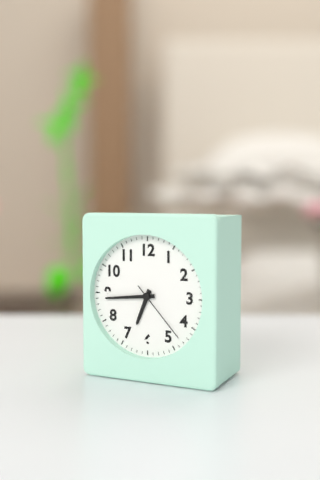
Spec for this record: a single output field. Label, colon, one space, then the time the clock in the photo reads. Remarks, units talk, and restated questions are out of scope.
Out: 6:44:23
